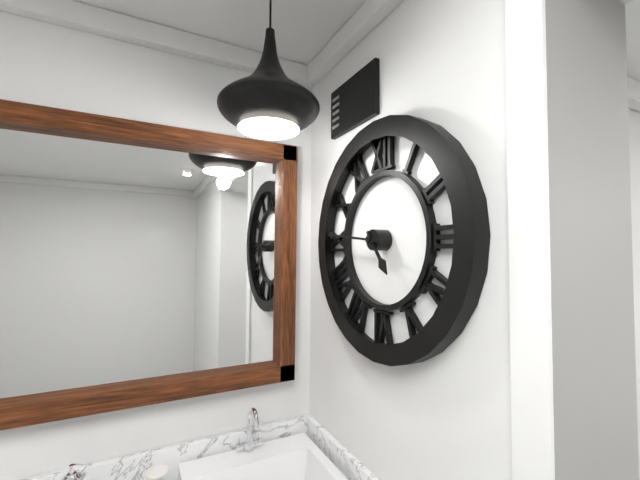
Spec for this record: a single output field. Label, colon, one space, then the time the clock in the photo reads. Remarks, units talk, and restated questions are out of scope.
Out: 4:46
